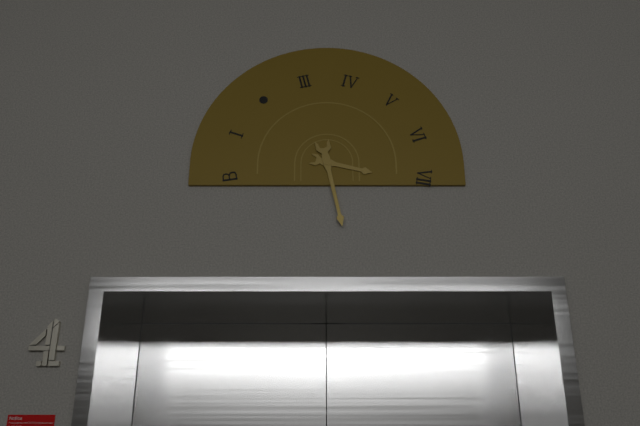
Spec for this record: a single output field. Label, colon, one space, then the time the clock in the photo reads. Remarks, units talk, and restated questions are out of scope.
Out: 3:28
